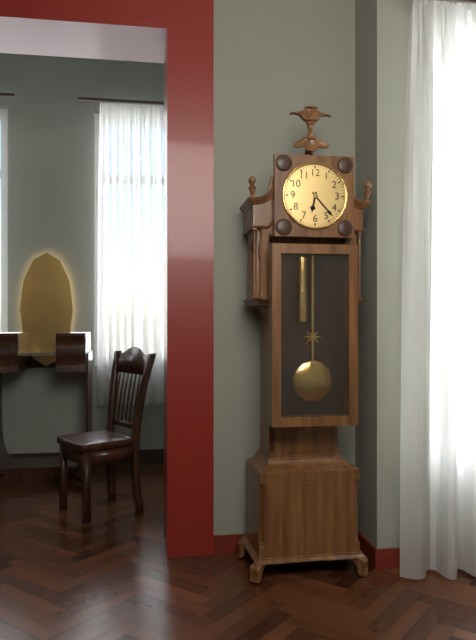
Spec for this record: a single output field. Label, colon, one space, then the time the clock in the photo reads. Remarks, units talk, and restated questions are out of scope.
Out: 6:23
